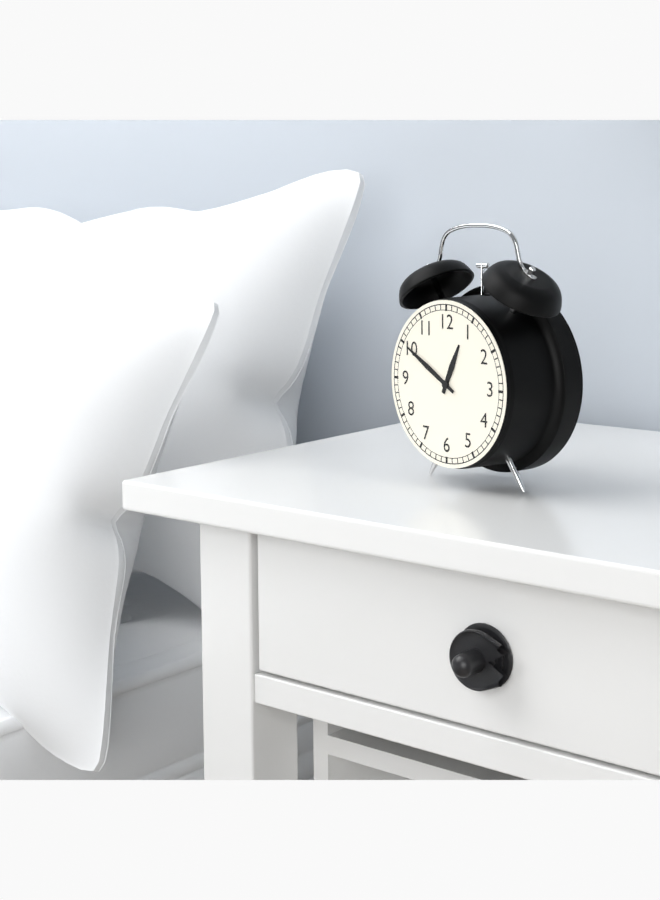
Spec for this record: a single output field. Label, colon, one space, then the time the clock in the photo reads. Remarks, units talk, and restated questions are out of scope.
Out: 12:50
